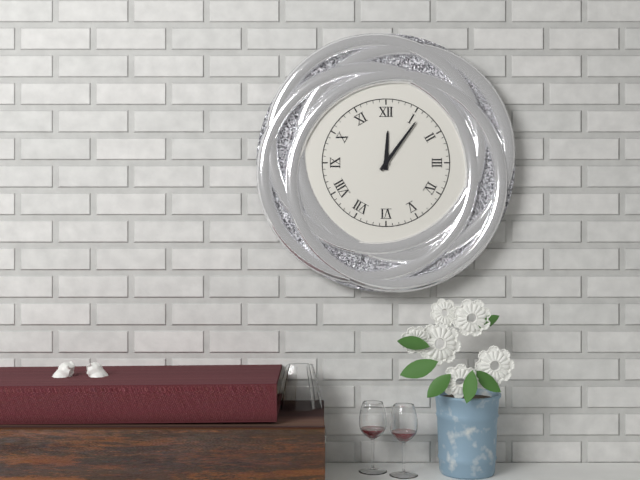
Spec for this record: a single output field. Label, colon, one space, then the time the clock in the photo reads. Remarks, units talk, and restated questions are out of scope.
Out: 12:06
